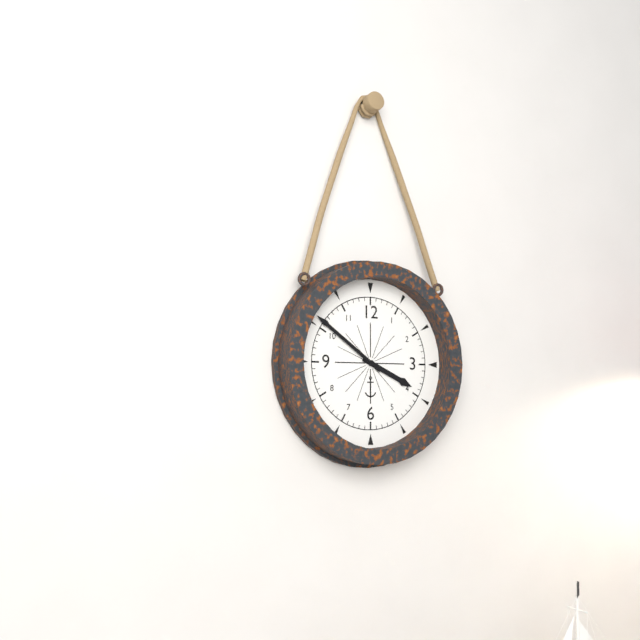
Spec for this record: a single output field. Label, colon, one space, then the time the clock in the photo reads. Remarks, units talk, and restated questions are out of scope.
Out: 3:51
